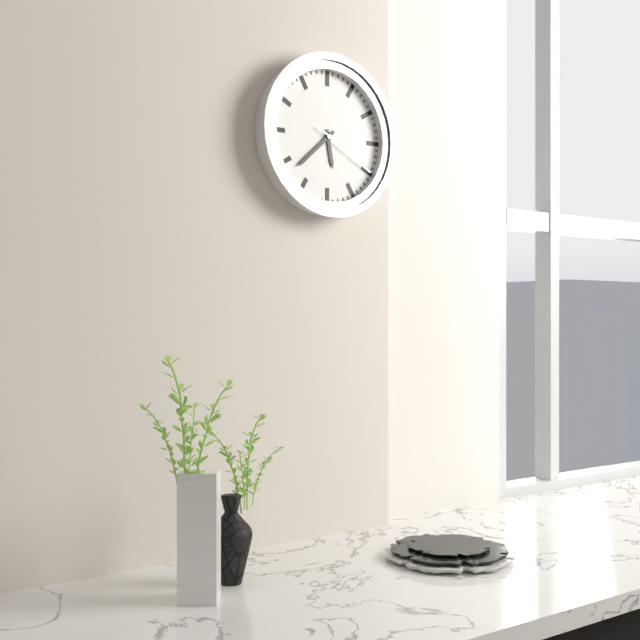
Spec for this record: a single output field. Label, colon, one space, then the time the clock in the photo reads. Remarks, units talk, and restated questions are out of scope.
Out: 5:38:20
